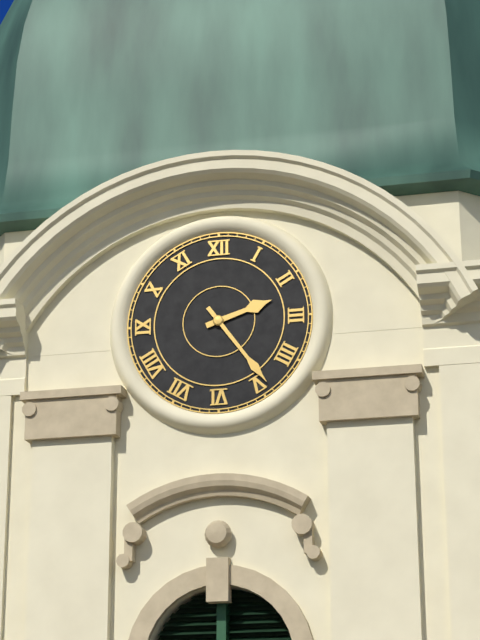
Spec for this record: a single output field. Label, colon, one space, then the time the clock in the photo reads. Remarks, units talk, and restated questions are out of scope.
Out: 2:24
